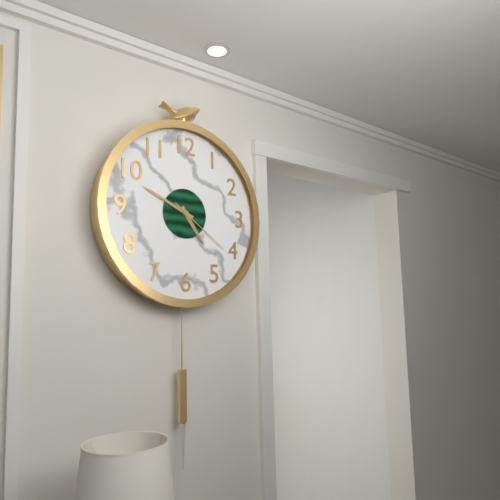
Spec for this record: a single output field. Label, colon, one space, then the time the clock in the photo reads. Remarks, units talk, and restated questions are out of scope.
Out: 4:49:21
